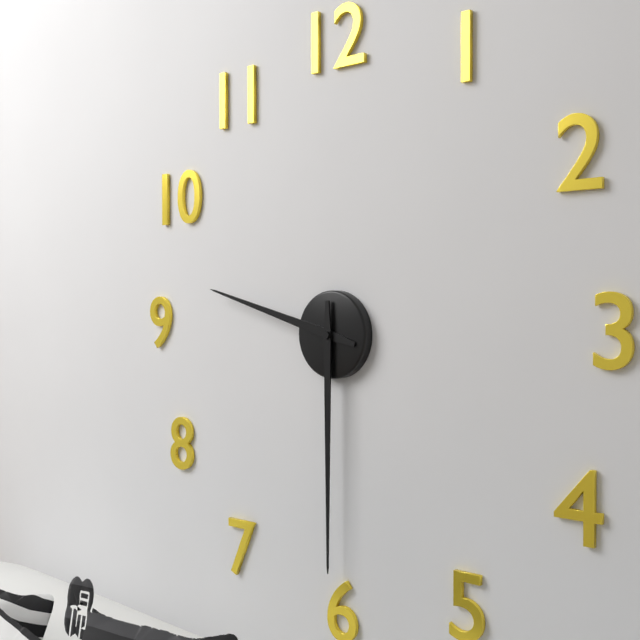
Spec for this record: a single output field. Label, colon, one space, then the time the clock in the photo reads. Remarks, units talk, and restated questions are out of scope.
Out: 9:30
